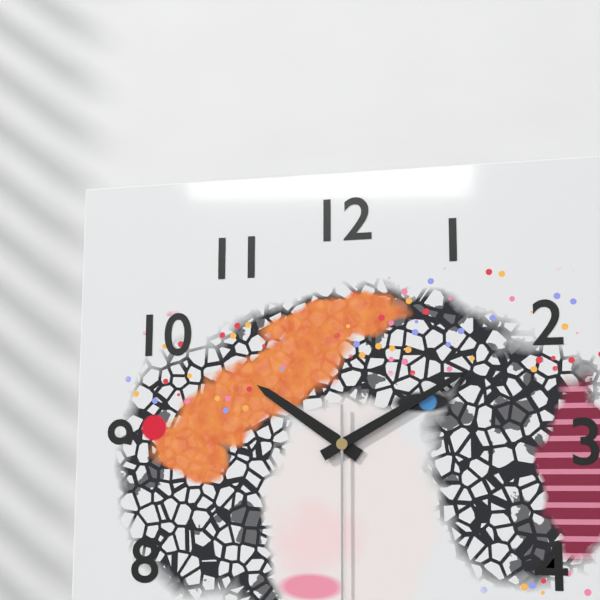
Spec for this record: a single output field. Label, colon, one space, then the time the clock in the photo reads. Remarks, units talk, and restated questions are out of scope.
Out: 10:10
